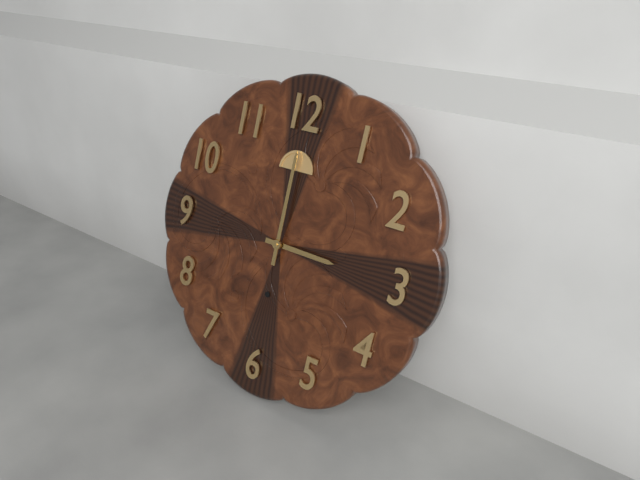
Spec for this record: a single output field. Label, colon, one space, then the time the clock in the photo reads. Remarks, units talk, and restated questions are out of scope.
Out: 3:00
